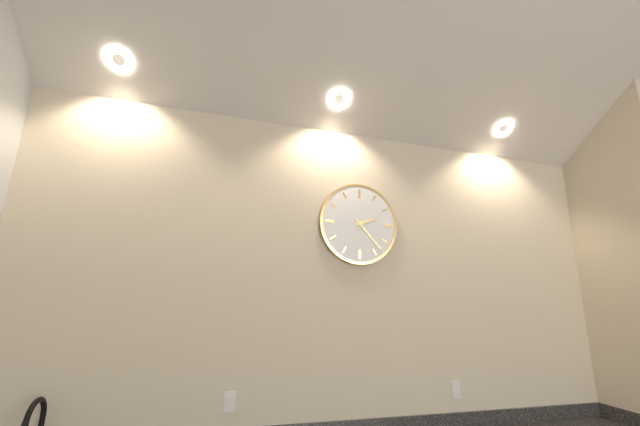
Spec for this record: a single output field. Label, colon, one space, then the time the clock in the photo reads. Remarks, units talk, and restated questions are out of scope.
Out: 2:23
